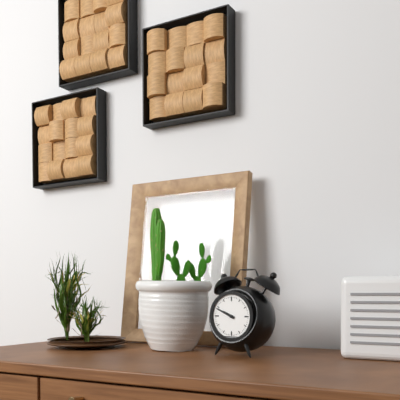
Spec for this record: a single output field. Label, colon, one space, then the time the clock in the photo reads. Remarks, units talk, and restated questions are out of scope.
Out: 9:49
